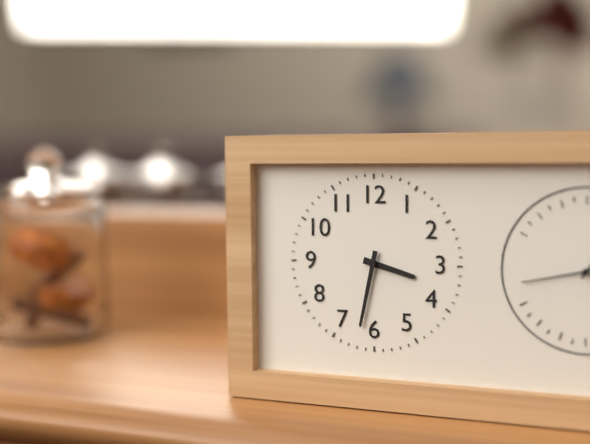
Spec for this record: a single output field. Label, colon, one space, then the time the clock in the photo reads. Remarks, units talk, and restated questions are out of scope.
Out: 3:32
